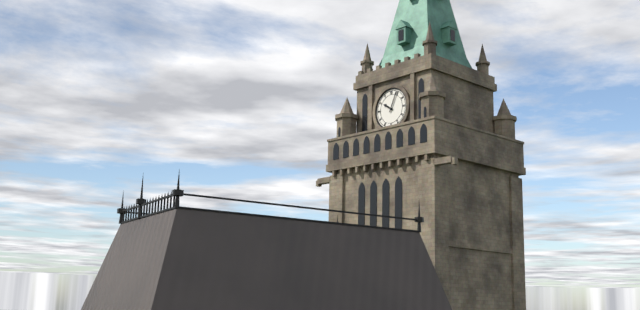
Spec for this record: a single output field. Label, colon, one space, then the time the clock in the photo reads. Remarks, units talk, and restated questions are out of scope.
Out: 10:04
